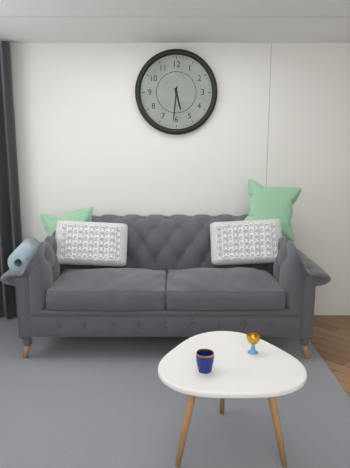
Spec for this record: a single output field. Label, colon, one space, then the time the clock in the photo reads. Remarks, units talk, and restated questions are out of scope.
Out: 5:31
